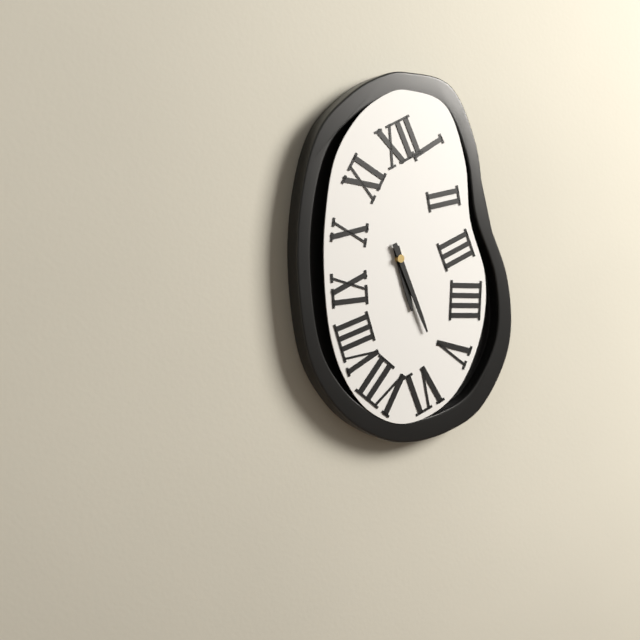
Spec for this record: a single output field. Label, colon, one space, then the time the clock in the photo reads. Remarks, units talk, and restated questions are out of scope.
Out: 5:26
